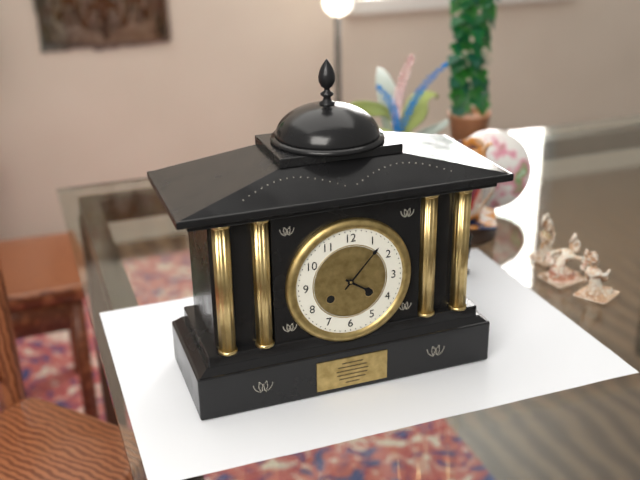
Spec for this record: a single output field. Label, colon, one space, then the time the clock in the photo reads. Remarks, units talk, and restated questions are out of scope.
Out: 4:07
